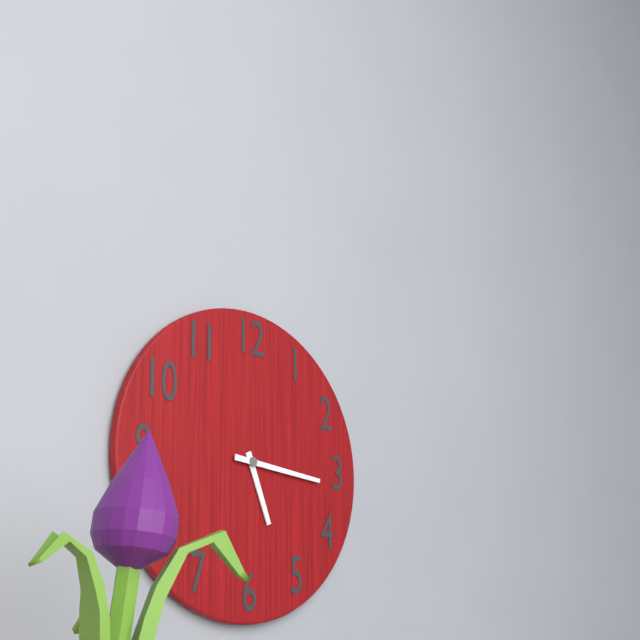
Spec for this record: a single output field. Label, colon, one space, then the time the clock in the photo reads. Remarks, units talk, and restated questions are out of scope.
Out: 5:16
